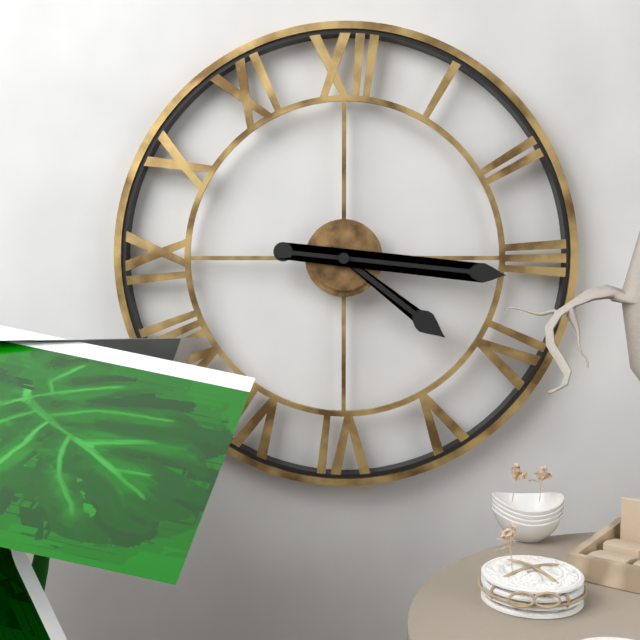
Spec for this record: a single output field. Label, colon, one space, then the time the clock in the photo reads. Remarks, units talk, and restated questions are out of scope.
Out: 4:16
